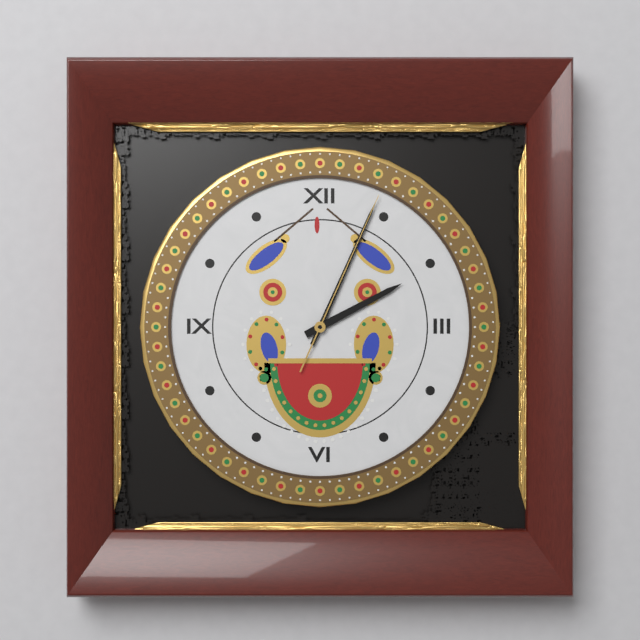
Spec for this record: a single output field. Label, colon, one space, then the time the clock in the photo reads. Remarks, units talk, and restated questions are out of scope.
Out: 2:04:04
